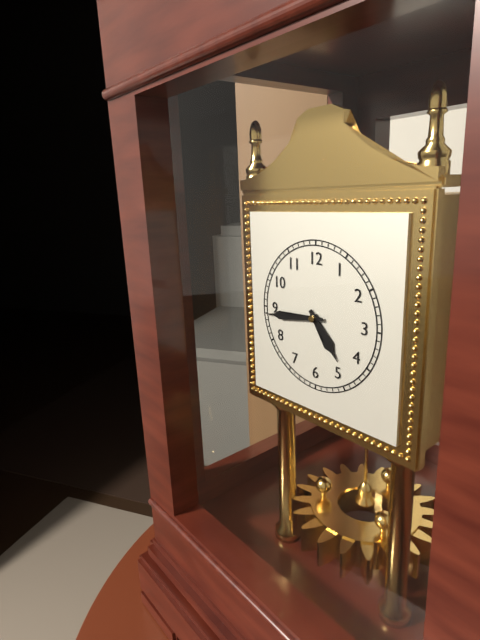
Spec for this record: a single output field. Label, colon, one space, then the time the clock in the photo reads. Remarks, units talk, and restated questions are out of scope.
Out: 4:44
